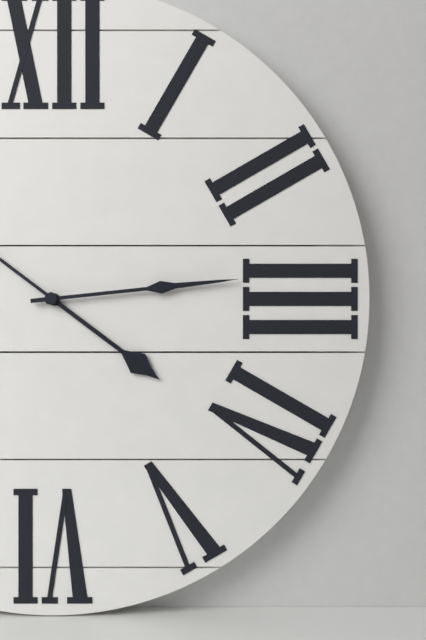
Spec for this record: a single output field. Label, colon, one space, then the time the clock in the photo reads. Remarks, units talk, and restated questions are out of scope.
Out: 4:14
